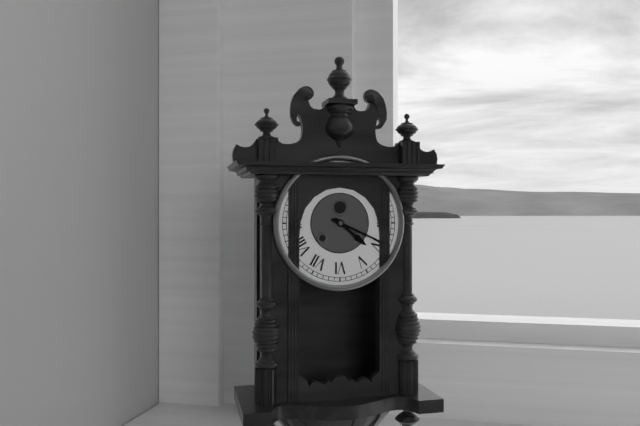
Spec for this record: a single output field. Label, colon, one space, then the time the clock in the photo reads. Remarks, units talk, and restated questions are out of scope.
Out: 4:19
